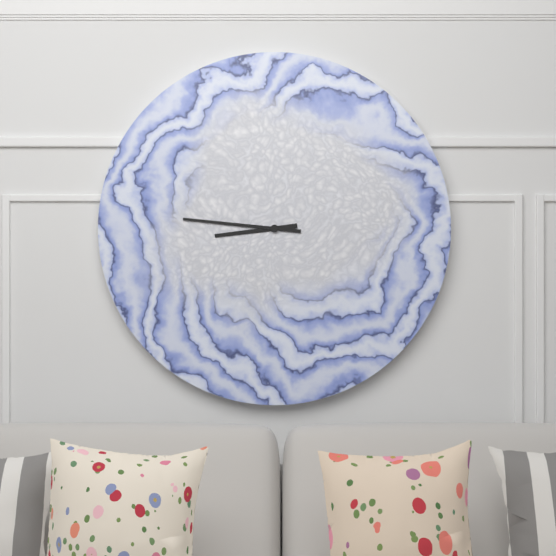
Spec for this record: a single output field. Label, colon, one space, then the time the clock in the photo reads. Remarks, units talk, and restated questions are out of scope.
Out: 8:46
